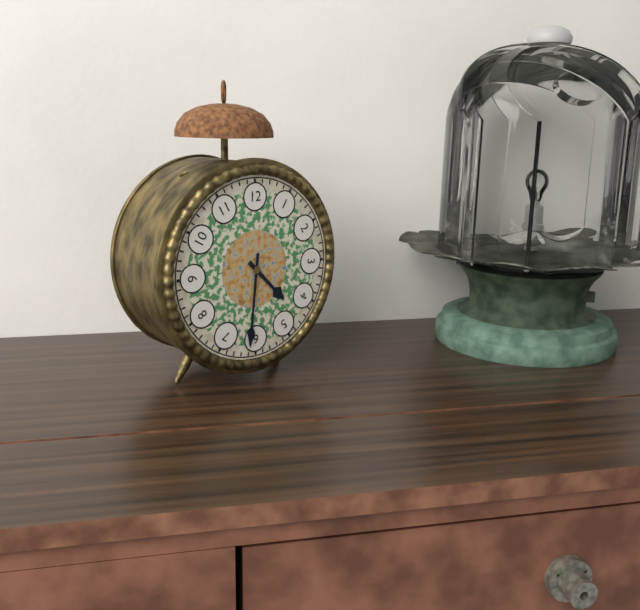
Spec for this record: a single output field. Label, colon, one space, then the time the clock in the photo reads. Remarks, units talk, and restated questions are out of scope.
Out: 4:31
